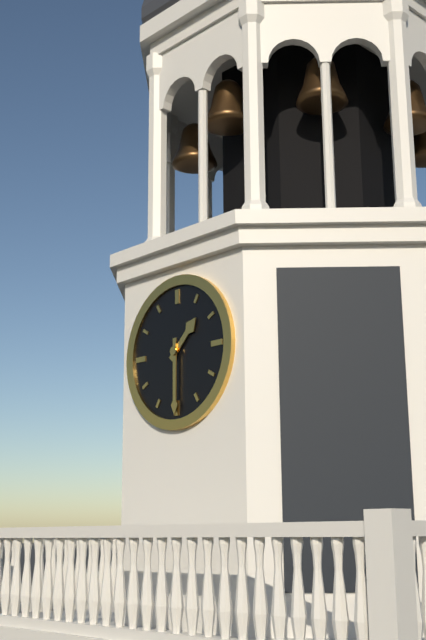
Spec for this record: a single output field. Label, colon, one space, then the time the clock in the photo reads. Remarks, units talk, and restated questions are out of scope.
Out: 1:30
